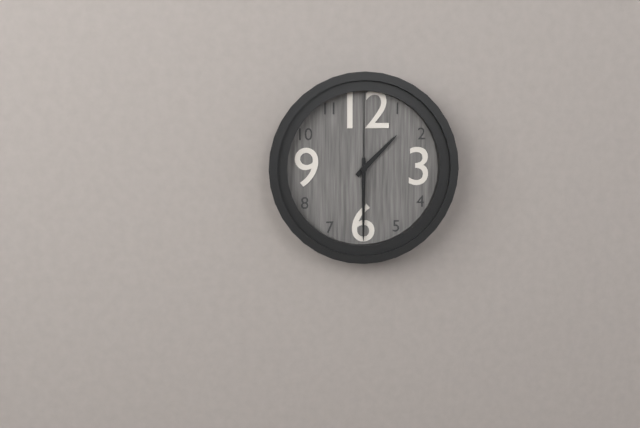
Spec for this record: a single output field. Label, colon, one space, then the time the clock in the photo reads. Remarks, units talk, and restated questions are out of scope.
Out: 1:30:00
